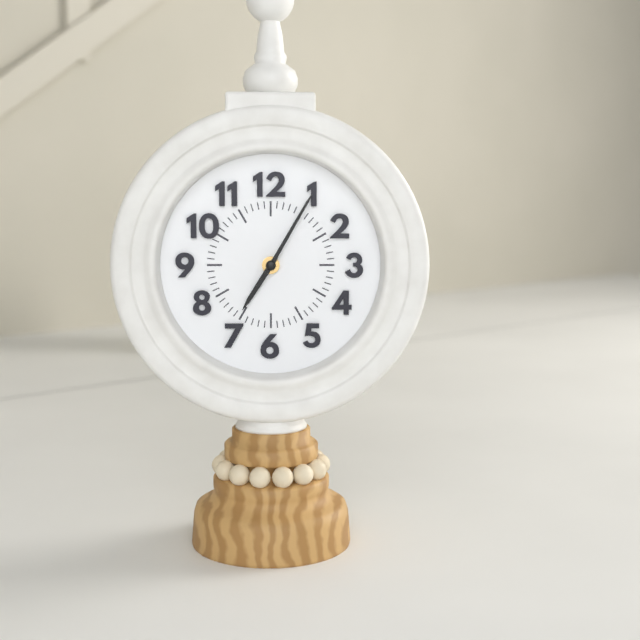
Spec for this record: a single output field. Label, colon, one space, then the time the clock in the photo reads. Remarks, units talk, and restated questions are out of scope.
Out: 7:05
